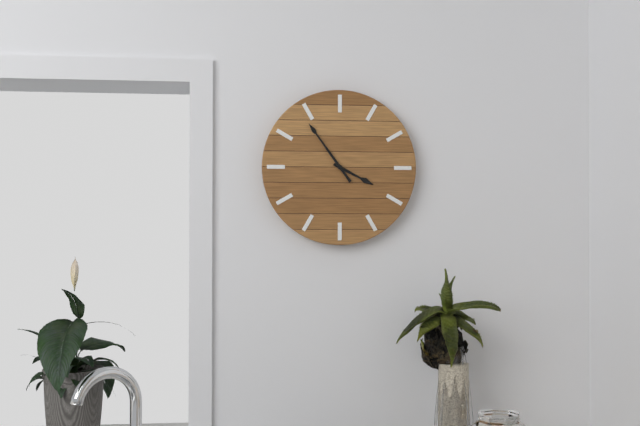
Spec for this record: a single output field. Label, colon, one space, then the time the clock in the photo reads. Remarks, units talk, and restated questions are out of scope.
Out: 3:54
